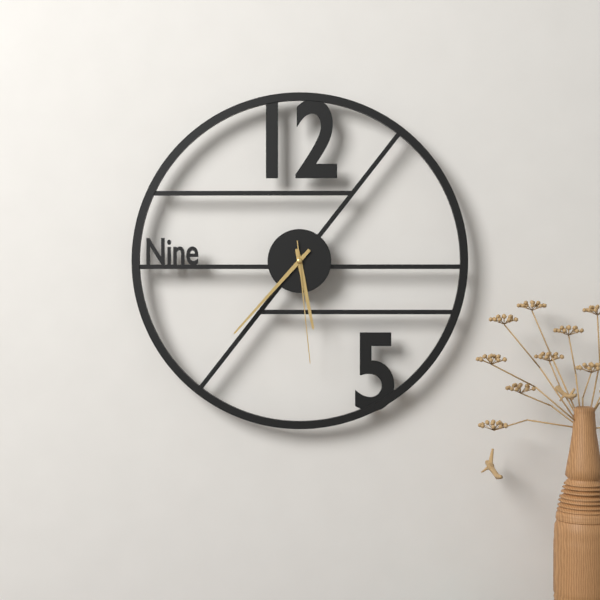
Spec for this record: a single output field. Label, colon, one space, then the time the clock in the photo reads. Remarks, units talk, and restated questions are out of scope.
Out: 5:37:29
